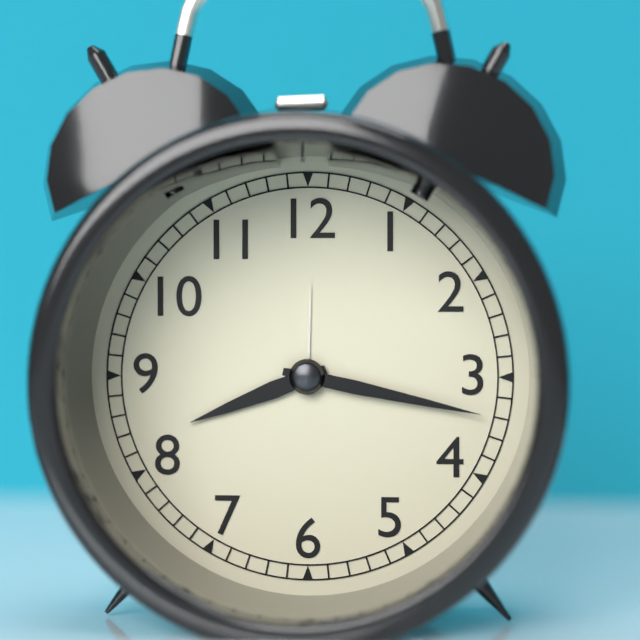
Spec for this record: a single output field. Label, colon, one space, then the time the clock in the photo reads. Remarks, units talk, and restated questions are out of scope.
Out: 8:17
